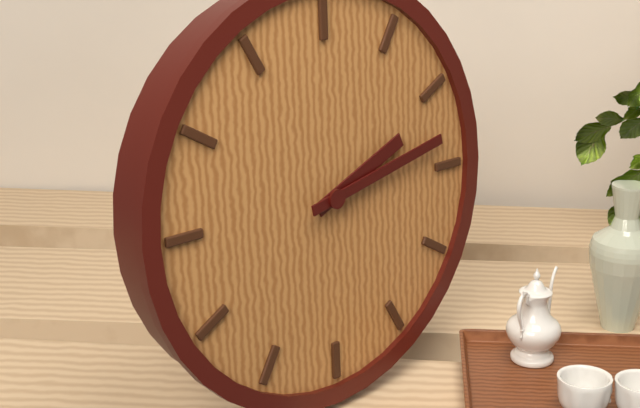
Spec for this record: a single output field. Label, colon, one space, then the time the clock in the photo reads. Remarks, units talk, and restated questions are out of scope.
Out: 2:13
